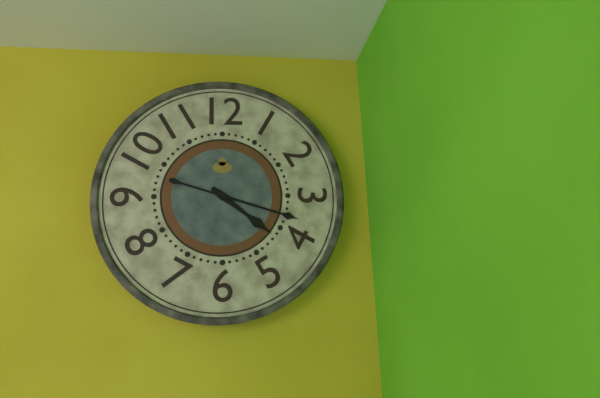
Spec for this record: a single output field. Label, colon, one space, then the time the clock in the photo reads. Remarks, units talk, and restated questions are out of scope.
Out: 4:18
